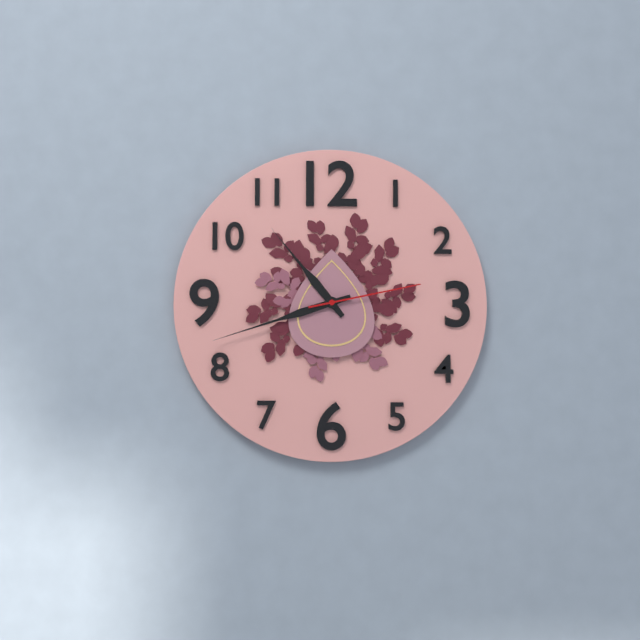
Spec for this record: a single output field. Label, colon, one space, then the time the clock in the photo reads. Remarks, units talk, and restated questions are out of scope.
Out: 10:42:13
